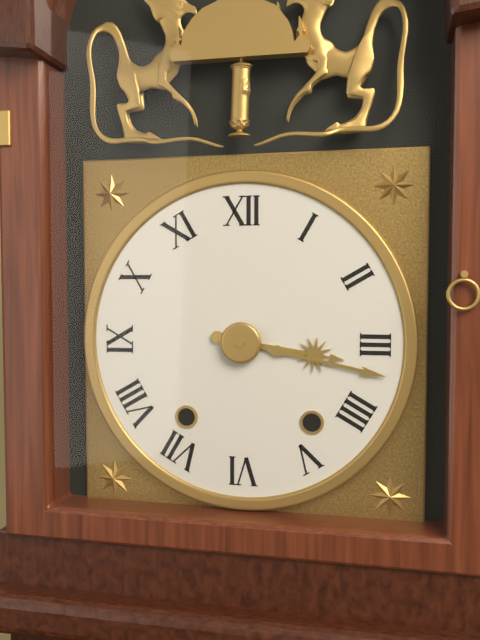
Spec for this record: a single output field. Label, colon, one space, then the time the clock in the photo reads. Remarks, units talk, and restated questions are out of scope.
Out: 3:17
